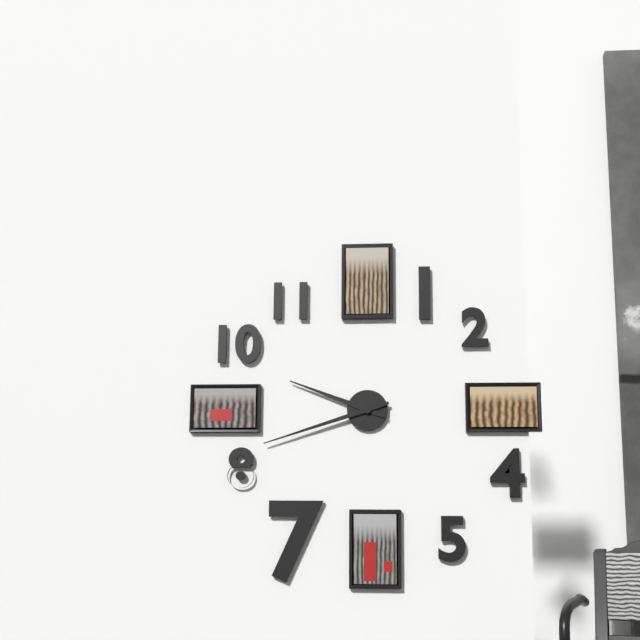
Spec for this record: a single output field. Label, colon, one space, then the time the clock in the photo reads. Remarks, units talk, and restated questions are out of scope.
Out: 9:42
